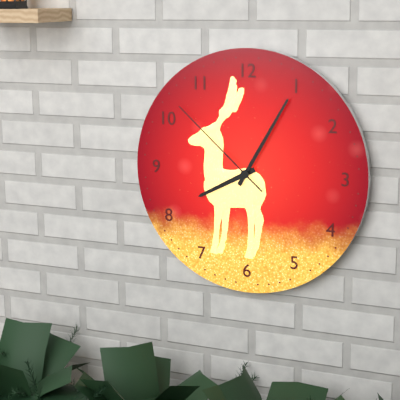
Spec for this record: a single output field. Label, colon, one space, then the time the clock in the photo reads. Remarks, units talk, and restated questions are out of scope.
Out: 8:05:52
